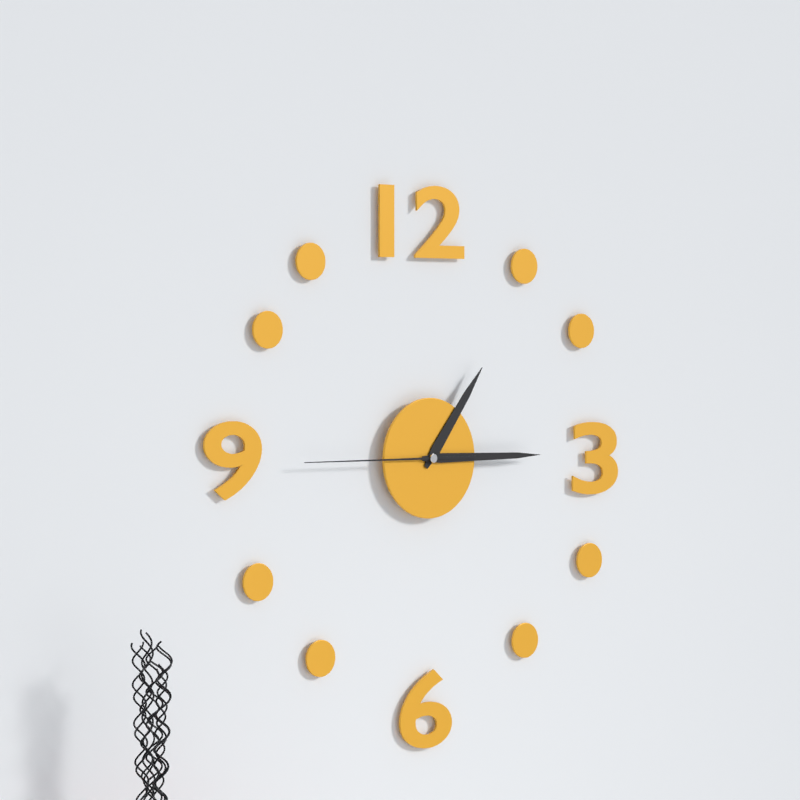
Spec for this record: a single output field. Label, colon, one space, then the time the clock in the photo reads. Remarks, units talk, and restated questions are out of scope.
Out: 1:15:45
